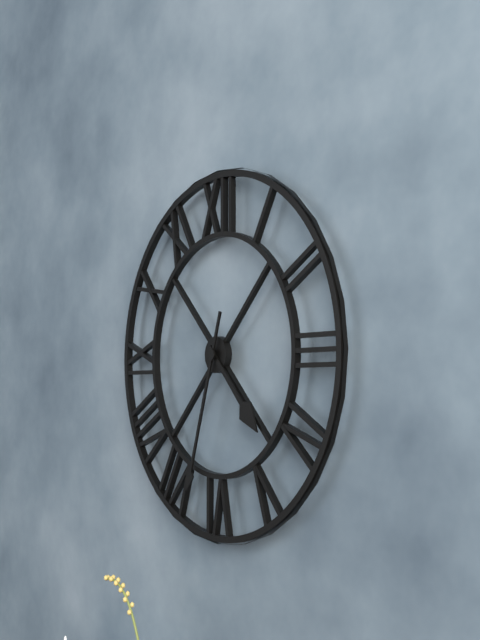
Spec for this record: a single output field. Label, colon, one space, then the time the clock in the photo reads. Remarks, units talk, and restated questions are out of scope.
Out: 4:33
